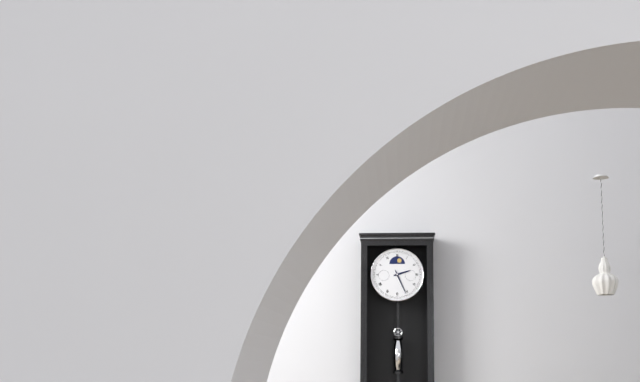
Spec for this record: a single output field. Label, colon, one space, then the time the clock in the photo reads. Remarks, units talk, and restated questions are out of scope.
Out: 2:26
